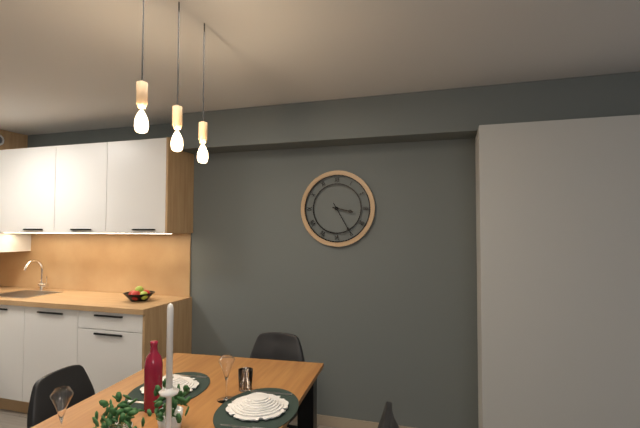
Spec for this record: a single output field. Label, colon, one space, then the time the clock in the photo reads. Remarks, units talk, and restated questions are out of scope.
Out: 3:25
